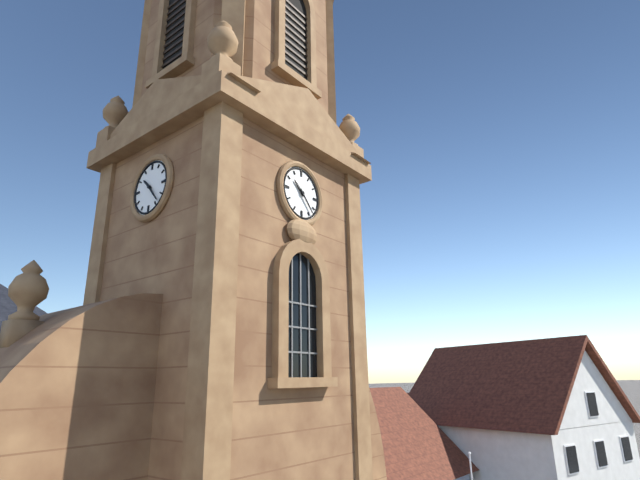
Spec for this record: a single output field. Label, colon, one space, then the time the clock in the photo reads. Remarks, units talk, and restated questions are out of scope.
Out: 10:23
